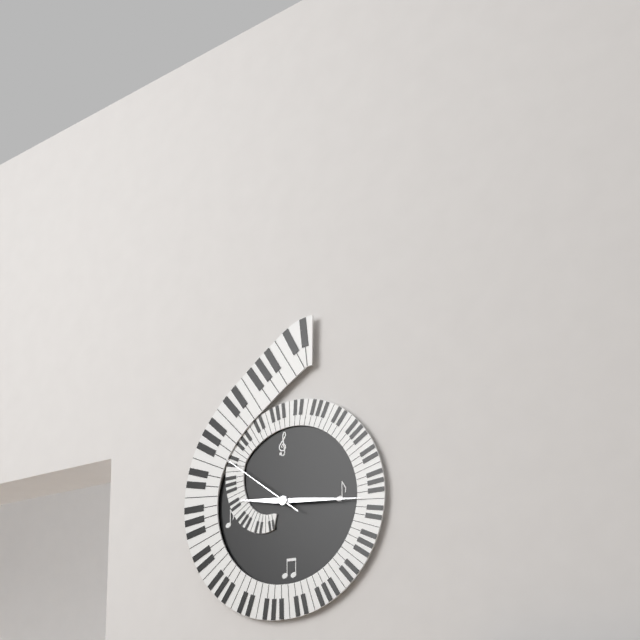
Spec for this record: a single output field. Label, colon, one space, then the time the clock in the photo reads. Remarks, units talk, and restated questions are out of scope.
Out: 9:16:51
